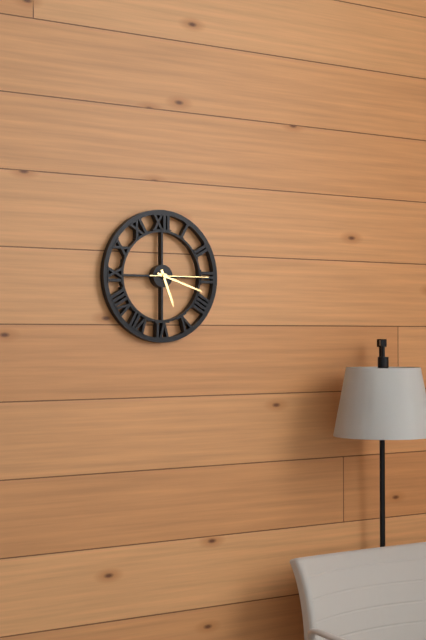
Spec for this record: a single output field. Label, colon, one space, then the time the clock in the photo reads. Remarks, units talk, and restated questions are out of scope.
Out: 5:18:15
